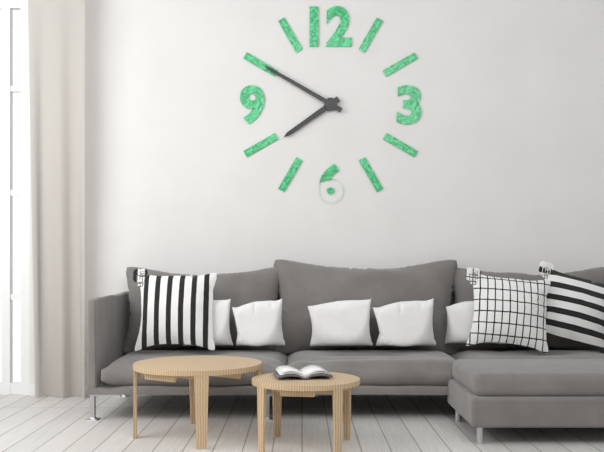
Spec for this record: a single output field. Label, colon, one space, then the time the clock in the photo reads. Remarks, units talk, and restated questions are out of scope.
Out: 7:50
